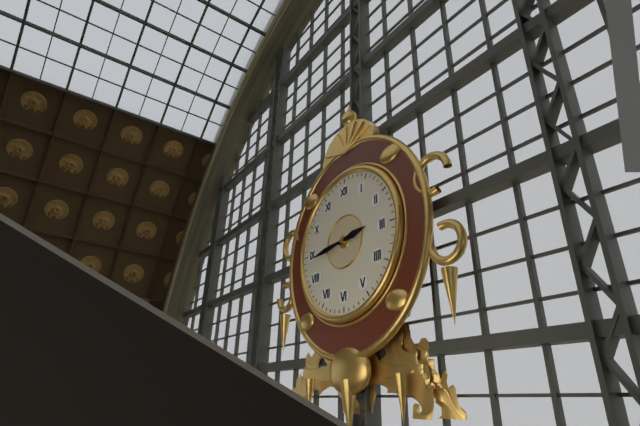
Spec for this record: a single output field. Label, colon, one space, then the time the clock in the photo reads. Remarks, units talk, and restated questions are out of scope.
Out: 2:44
